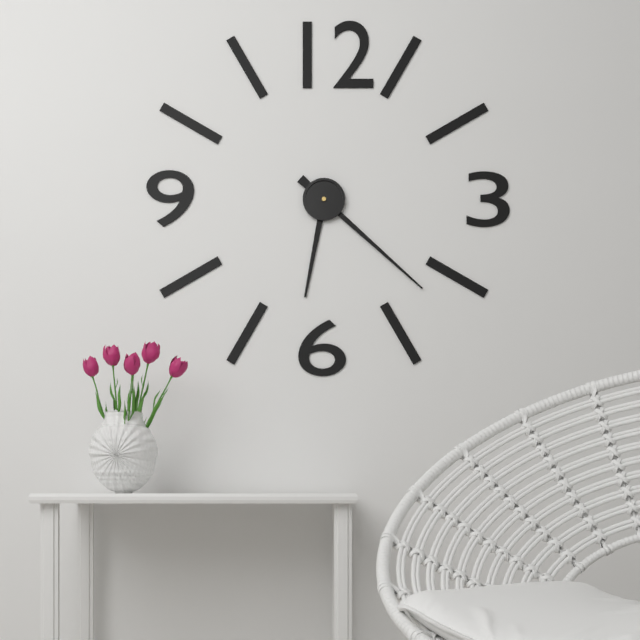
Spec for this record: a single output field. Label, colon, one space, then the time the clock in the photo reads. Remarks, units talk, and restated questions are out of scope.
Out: 6:22
